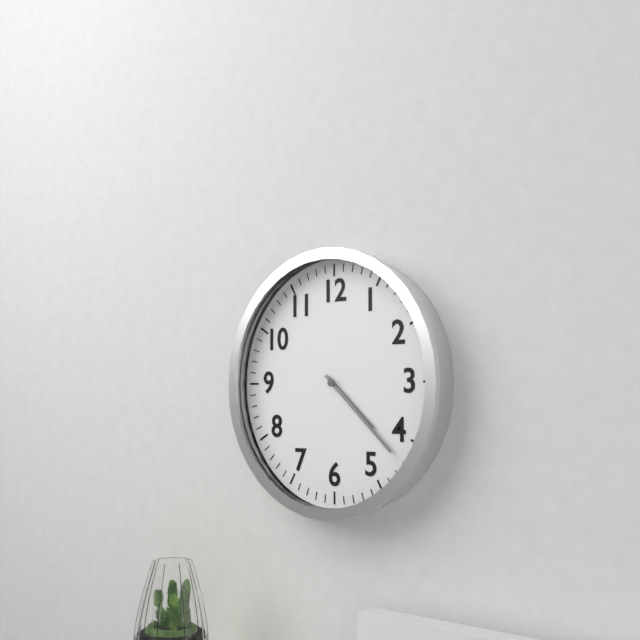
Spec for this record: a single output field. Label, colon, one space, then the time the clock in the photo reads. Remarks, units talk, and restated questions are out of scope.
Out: 4:22
